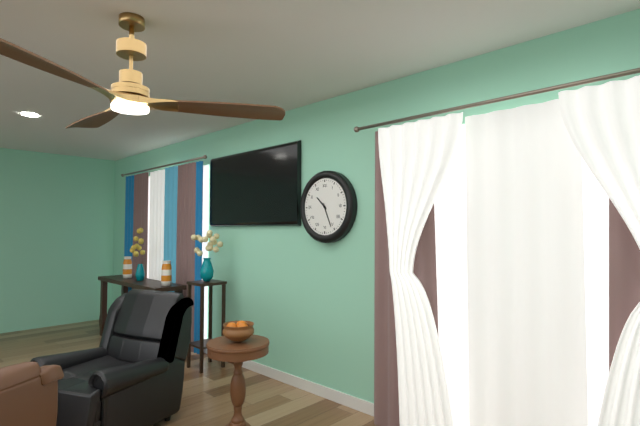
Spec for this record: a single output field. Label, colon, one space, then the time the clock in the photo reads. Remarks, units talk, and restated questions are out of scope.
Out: 10:26
